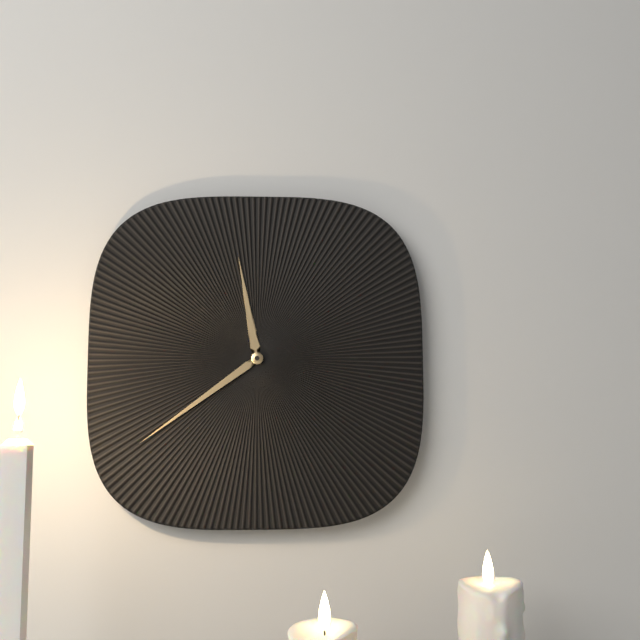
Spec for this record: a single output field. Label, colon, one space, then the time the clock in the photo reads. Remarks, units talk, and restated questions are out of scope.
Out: 11:39
